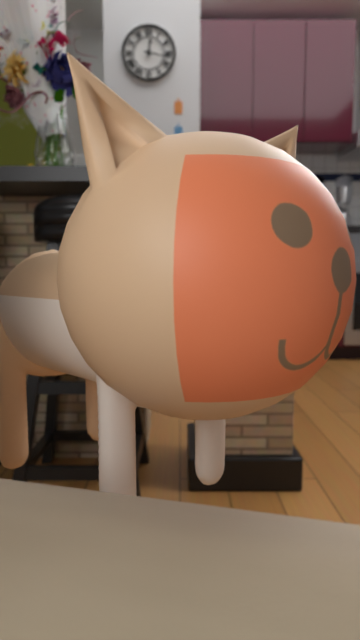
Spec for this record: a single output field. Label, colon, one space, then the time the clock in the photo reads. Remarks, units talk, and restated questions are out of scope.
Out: 12:17
